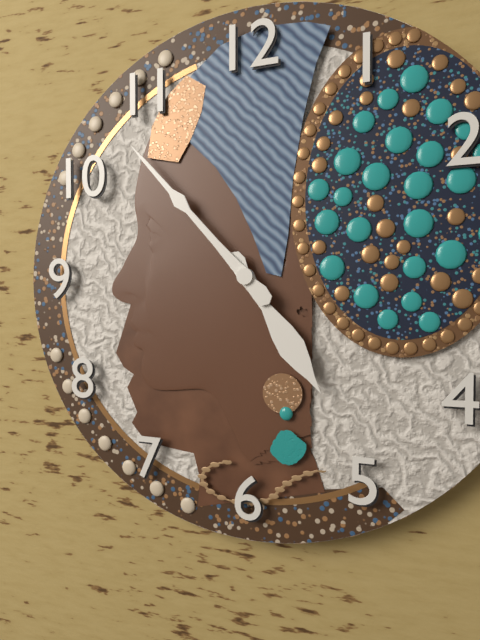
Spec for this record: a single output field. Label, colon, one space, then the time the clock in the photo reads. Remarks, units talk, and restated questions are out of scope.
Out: 4:53
